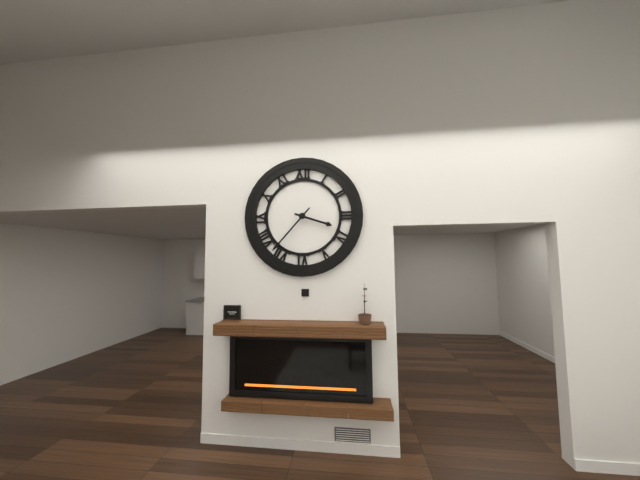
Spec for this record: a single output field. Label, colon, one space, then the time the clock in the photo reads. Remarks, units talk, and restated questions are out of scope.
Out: 3:37
